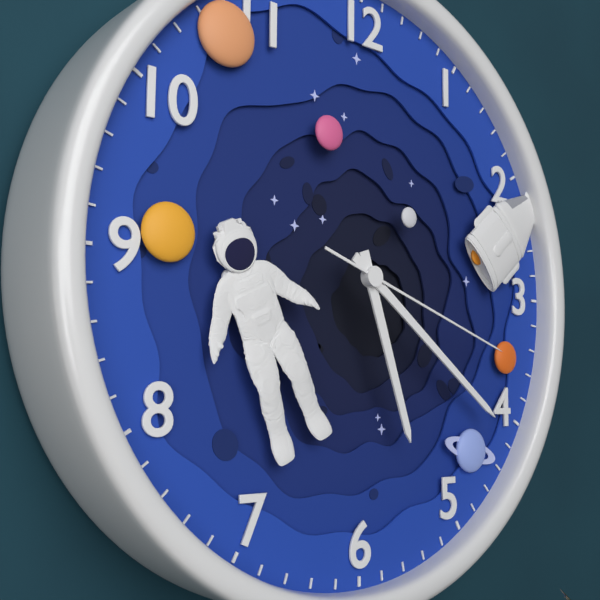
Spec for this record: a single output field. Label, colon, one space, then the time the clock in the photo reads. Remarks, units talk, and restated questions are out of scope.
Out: 5:21:18
